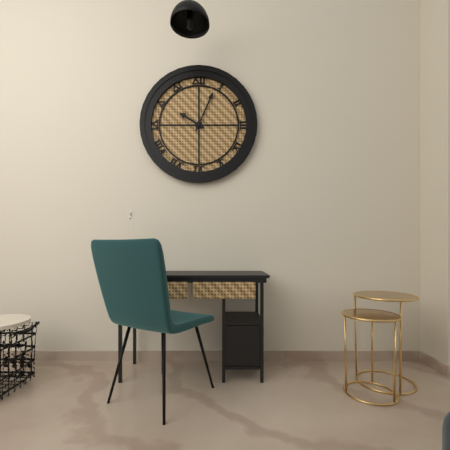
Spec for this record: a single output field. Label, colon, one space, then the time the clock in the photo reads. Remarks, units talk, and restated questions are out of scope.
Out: 10:04
